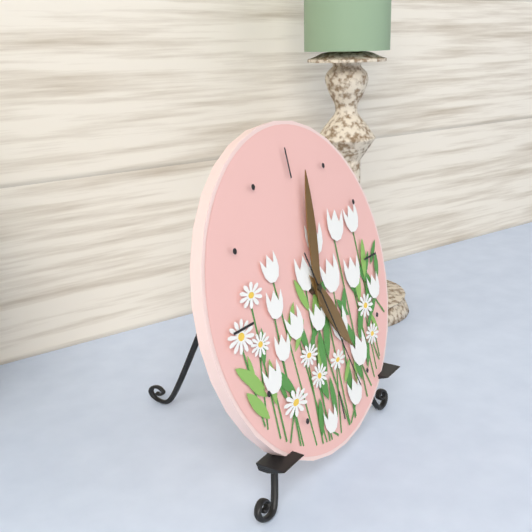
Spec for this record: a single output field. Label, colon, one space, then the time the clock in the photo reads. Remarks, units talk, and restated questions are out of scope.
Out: 5:02:27
